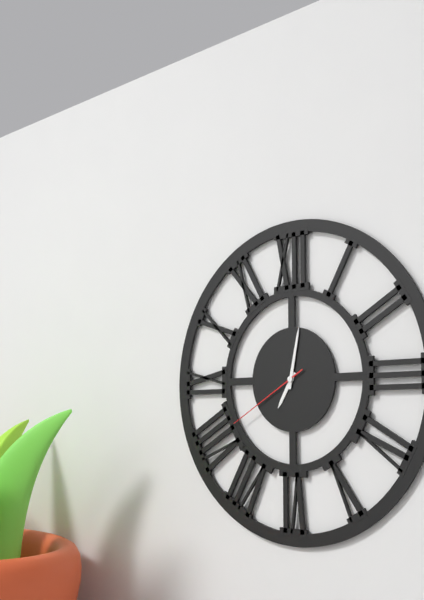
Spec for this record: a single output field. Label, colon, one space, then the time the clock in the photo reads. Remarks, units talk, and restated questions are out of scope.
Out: 7:02:40
